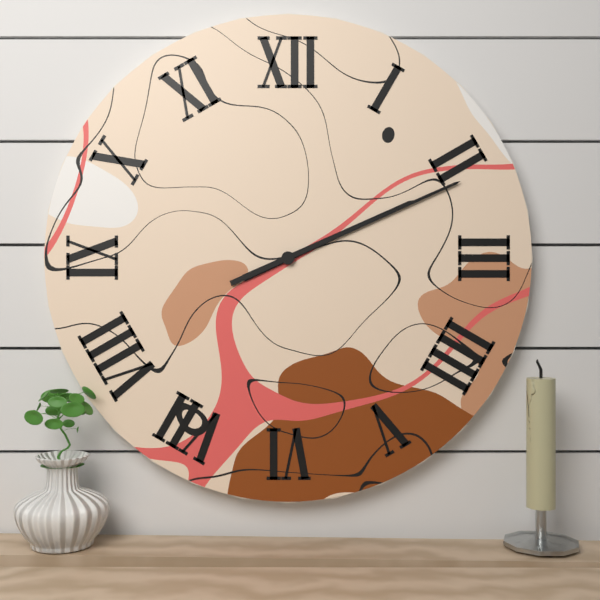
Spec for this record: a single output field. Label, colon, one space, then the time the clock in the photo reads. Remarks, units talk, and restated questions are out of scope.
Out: 2:11
